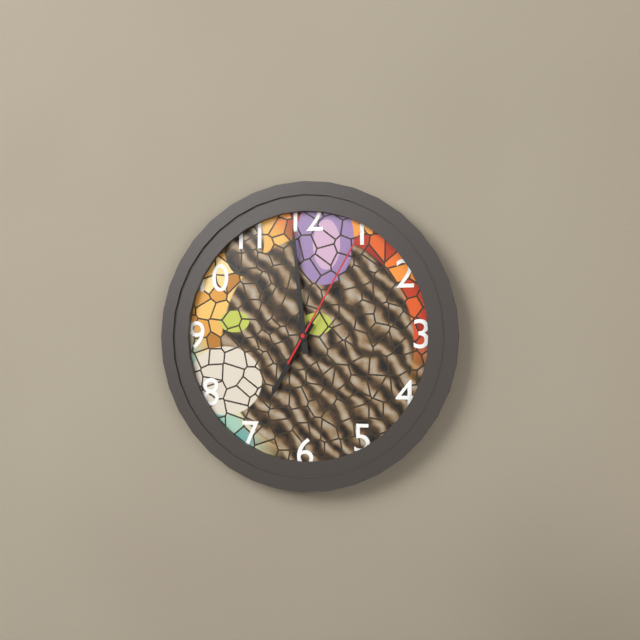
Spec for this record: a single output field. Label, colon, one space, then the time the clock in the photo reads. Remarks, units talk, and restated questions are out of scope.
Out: 6:59:05
